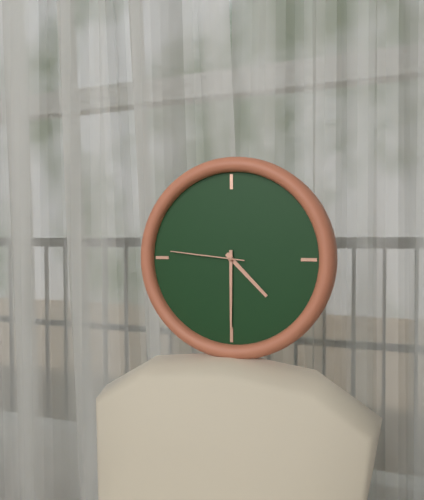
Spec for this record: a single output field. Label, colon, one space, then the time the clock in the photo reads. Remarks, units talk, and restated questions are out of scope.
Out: 4:30:46
